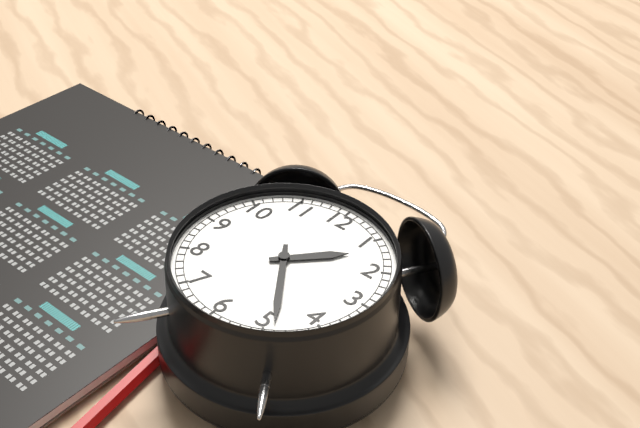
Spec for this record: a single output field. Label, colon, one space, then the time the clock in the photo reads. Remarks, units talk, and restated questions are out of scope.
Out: 1:24
